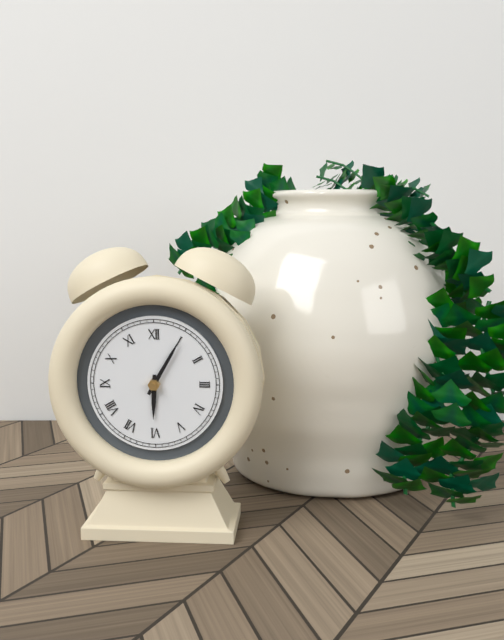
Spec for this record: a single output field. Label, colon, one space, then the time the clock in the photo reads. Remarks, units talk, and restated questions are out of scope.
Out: 6:05
